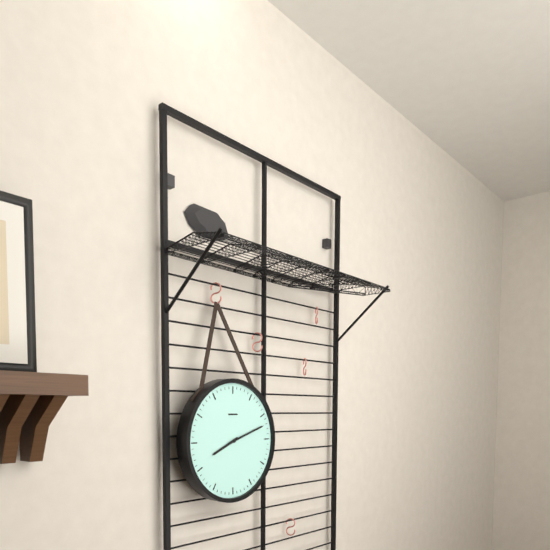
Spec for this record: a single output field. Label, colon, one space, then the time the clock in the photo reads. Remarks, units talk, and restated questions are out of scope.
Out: 8:12
